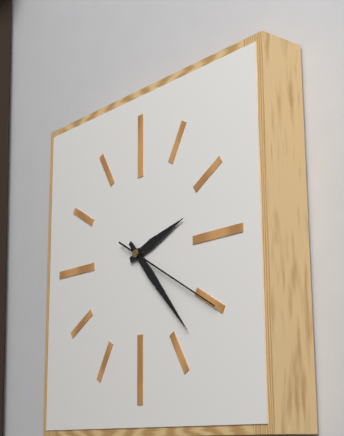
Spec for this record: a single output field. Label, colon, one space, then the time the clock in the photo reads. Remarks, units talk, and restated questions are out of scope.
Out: 2:23:20
